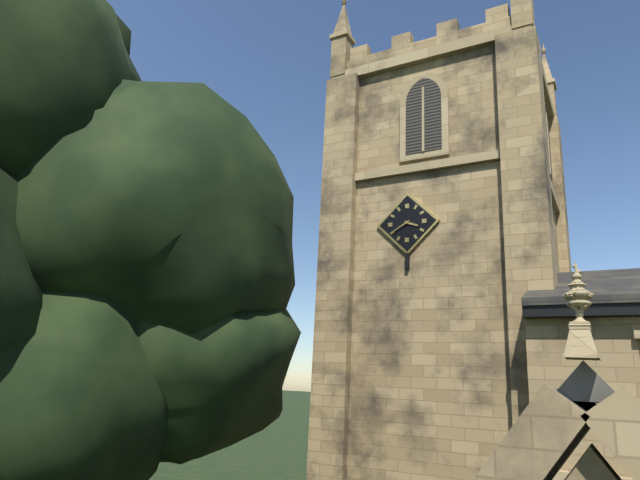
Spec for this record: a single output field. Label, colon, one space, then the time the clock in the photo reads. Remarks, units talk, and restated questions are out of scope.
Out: 3:40
